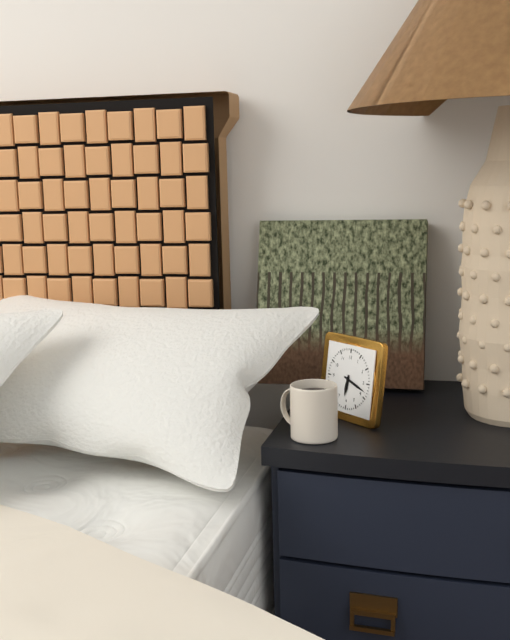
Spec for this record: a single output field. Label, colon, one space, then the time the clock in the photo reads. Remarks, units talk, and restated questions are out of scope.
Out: 6:18
